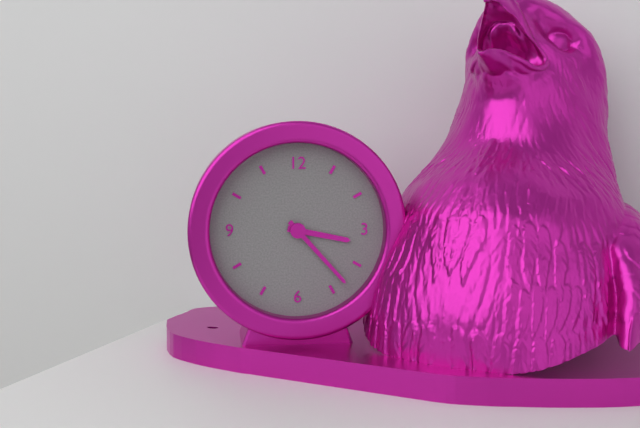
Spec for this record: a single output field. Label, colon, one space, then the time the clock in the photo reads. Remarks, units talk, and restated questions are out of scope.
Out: 3:23
